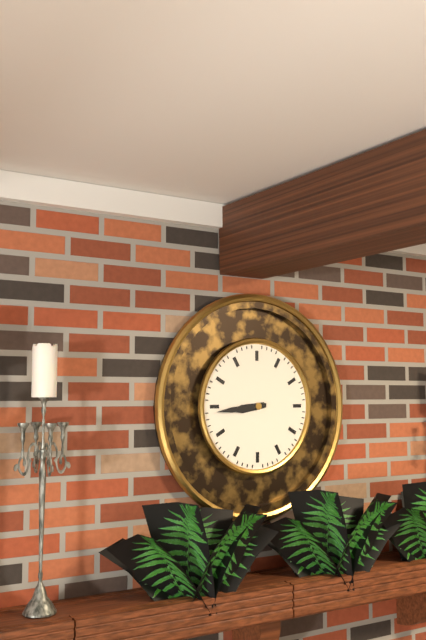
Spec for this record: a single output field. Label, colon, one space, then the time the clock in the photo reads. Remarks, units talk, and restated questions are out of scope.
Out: 8:44
